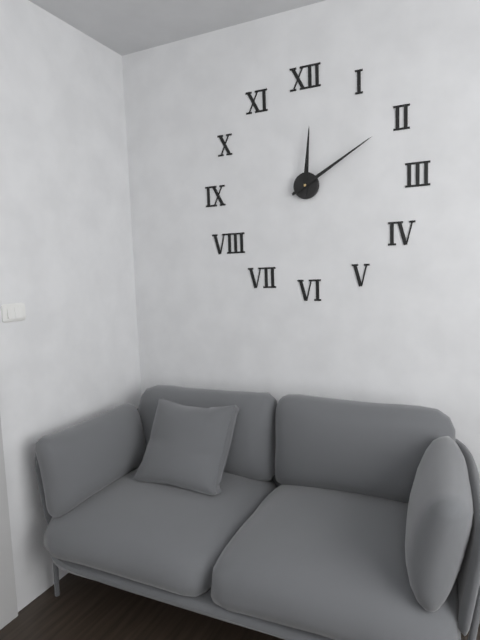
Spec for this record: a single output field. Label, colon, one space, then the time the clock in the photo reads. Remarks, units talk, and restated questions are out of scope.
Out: 12:10
